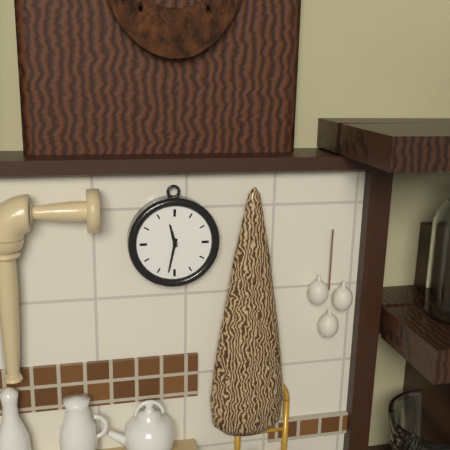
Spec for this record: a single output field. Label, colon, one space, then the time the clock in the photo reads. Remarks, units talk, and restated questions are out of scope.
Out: 11:32
